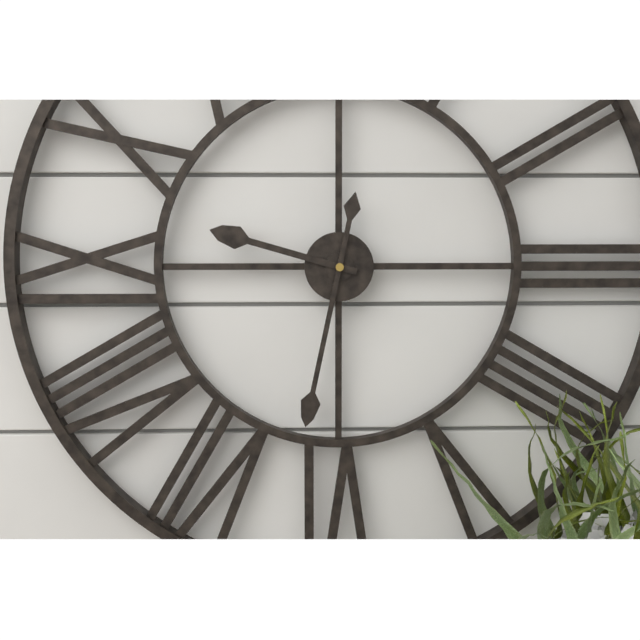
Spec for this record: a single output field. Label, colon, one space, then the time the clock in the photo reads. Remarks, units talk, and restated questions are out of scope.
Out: 9:32
